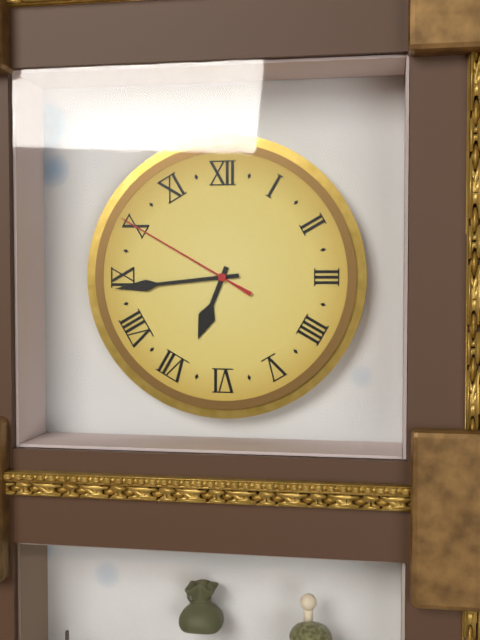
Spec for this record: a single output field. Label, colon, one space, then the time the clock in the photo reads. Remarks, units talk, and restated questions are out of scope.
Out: 6:44:50
